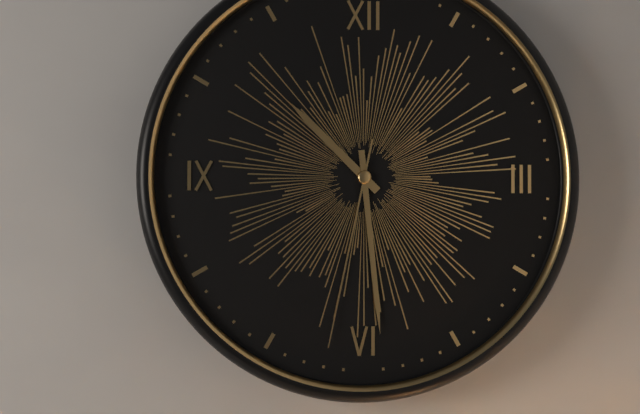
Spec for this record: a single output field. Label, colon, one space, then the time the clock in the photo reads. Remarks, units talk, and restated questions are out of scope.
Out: 10:29:32
